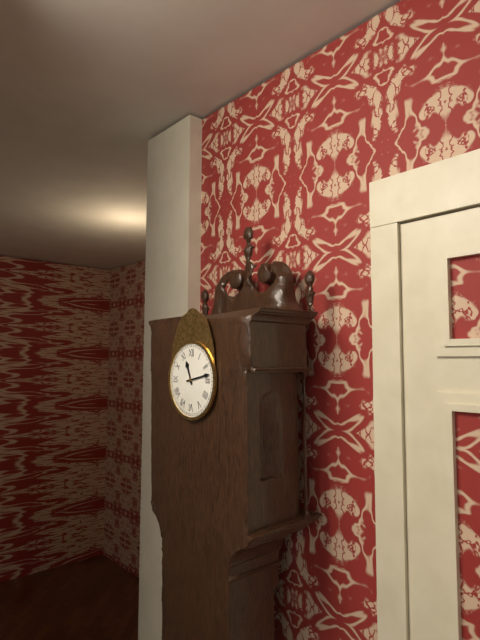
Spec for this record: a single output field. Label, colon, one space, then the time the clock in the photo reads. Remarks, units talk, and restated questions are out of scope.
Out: 11:13
